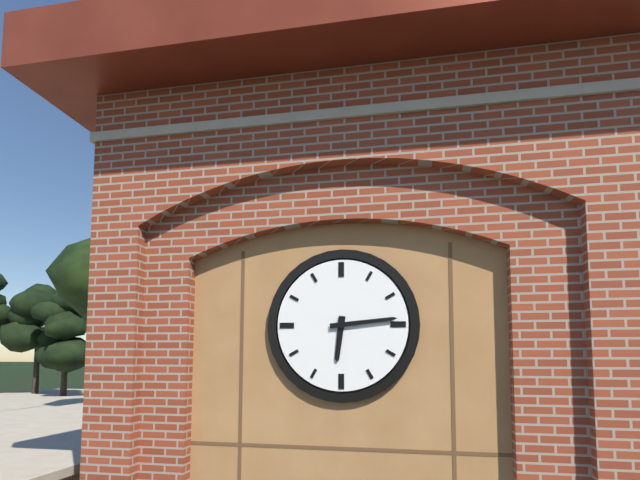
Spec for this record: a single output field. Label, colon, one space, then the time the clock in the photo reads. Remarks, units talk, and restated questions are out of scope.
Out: 6:14
